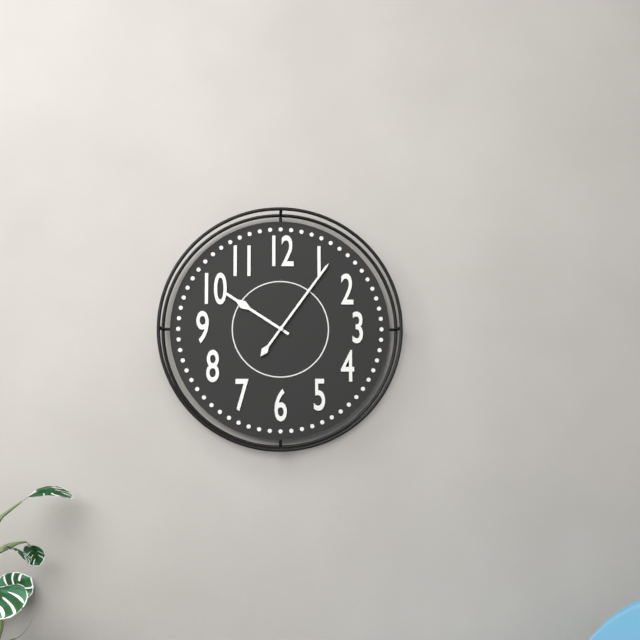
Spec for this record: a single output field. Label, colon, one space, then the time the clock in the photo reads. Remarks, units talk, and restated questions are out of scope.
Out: 10:06
